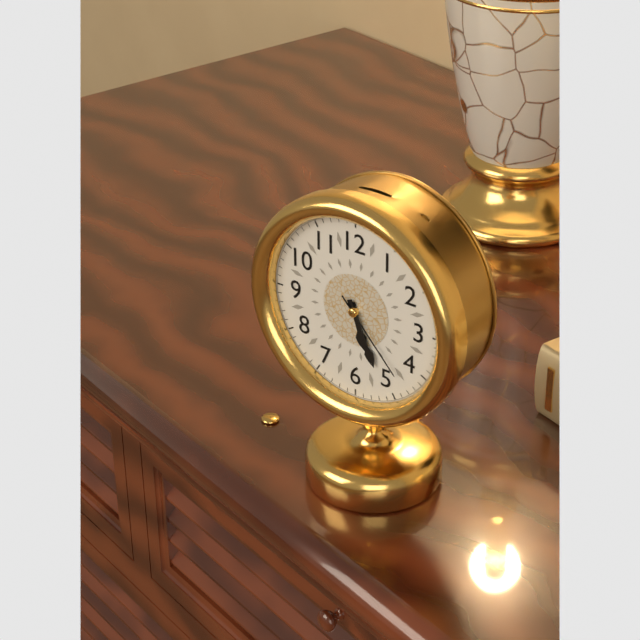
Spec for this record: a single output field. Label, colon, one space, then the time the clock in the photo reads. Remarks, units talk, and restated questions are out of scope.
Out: 5:26:23
